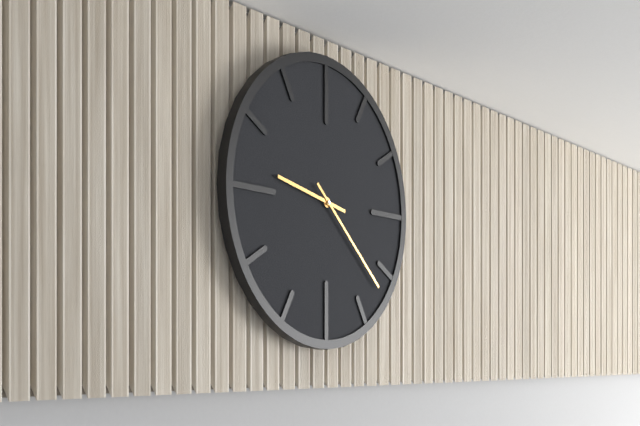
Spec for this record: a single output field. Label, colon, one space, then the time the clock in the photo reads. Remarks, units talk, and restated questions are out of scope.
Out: 9:22
